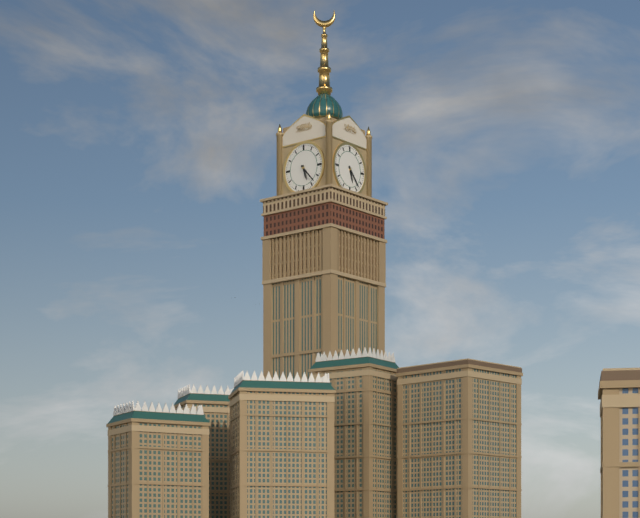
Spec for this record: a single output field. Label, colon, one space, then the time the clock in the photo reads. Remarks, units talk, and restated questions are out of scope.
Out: 5:23
